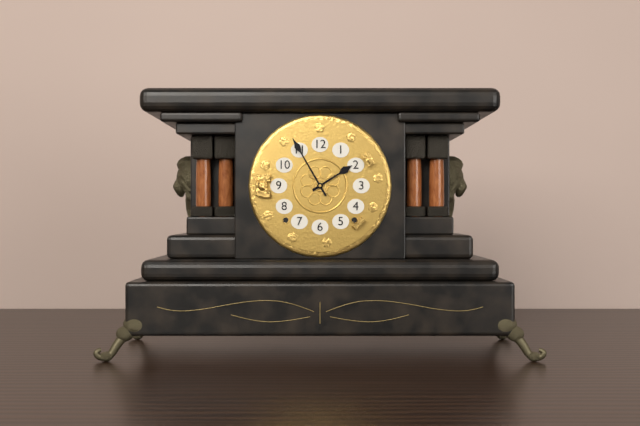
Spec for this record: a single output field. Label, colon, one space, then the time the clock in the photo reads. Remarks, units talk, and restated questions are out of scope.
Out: 1:55
